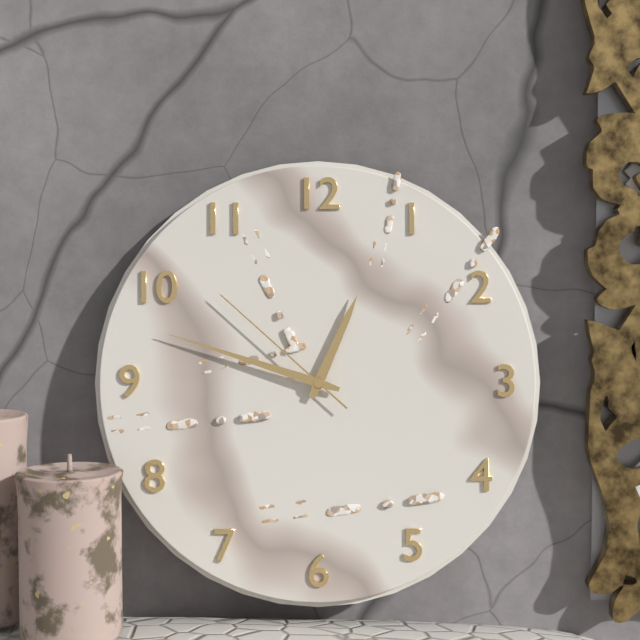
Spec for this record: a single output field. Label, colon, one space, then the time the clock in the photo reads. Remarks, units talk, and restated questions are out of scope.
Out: 12:48:52
